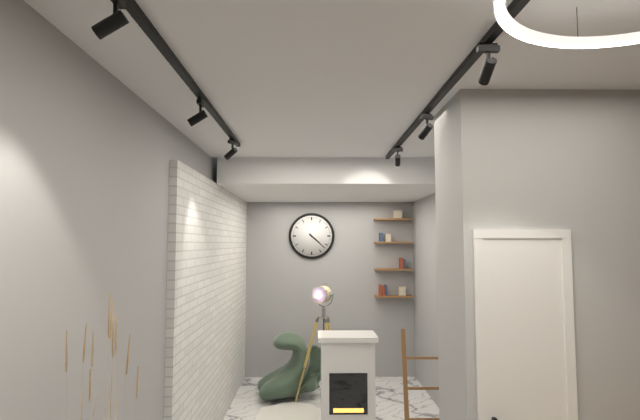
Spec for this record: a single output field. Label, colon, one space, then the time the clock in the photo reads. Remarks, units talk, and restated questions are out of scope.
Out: 4:22
